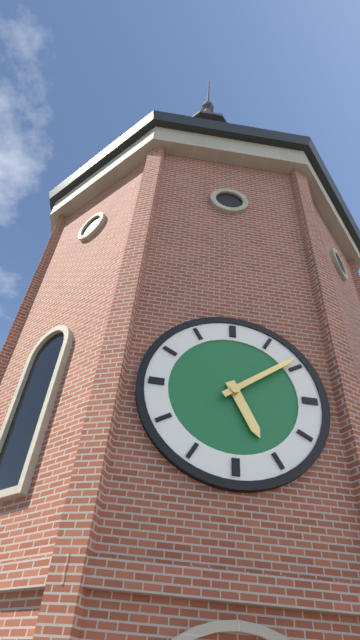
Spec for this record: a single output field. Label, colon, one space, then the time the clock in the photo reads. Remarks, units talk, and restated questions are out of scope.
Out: 5:09
